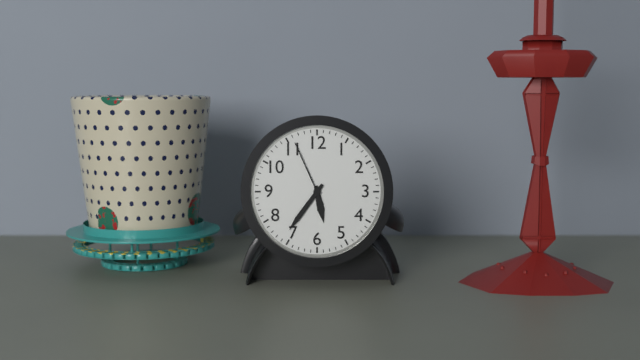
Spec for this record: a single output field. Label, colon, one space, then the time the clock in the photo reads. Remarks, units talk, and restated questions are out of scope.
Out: 5:36:56
